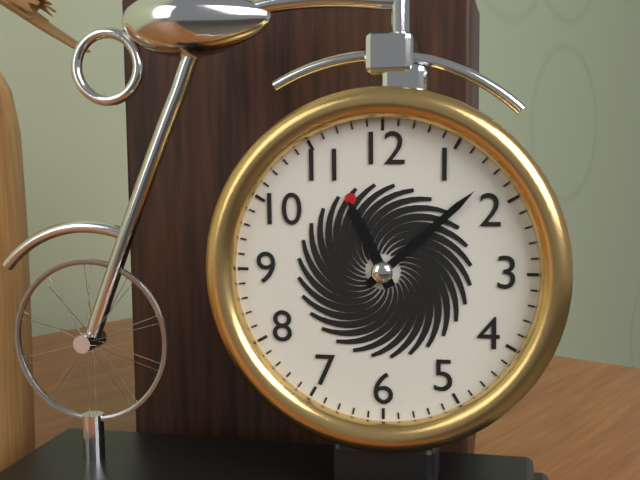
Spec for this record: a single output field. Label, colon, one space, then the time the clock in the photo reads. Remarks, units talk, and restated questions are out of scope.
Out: 11:08
